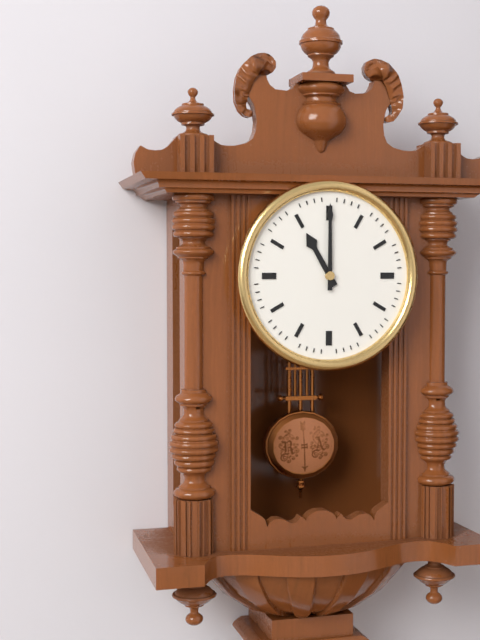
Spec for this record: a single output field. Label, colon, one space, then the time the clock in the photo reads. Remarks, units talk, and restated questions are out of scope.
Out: 11:00
